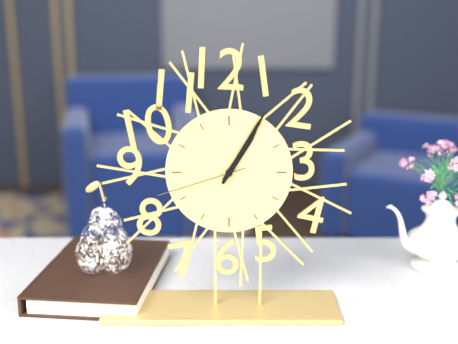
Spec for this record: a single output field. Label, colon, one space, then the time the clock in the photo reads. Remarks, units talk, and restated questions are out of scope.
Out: 1:05:42
